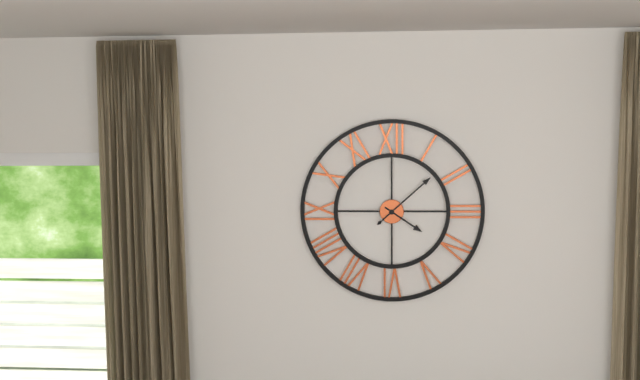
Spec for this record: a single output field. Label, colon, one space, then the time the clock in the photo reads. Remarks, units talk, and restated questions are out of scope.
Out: 4:08
